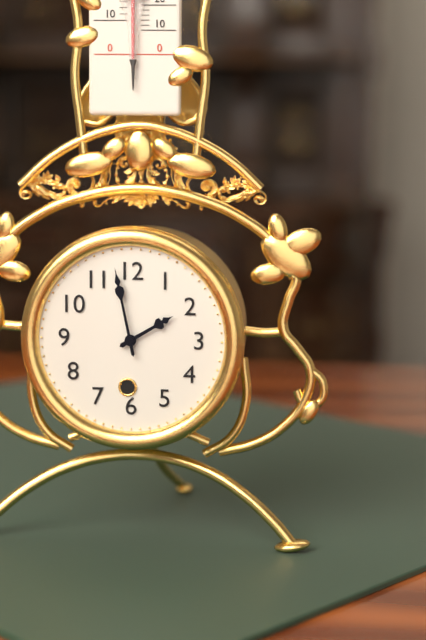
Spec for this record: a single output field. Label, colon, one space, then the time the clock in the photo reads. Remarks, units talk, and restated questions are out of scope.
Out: 1:58
